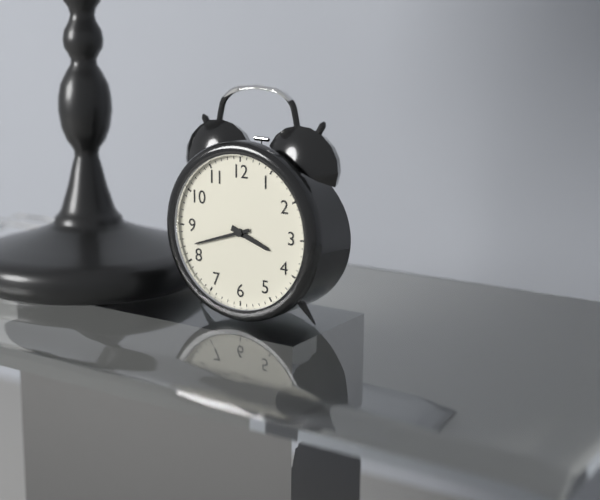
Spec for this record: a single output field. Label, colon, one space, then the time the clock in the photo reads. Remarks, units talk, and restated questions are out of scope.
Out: 3:42
